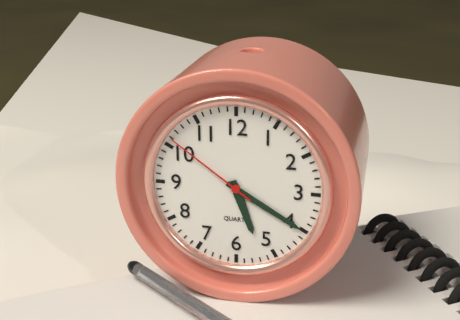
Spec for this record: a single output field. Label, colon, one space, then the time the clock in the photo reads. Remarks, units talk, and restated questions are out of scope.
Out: 5:20:51
